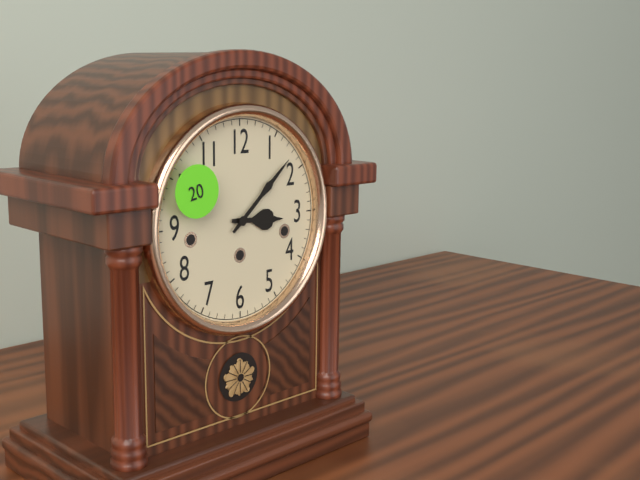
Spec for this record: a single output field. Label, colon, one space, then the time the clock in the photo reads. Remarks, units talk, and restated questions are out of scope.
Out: 3:08
